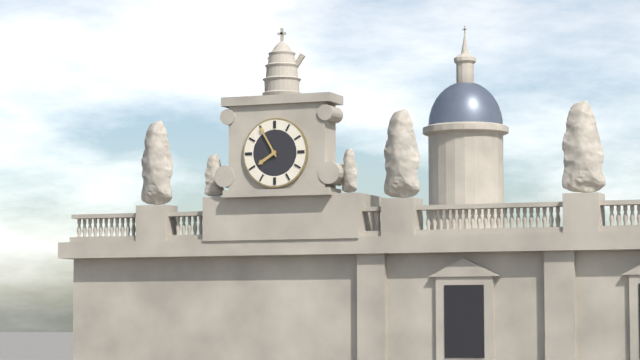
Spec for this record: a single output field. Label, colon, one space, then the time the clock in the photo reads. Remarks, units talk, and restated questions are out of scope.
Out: 7:55
